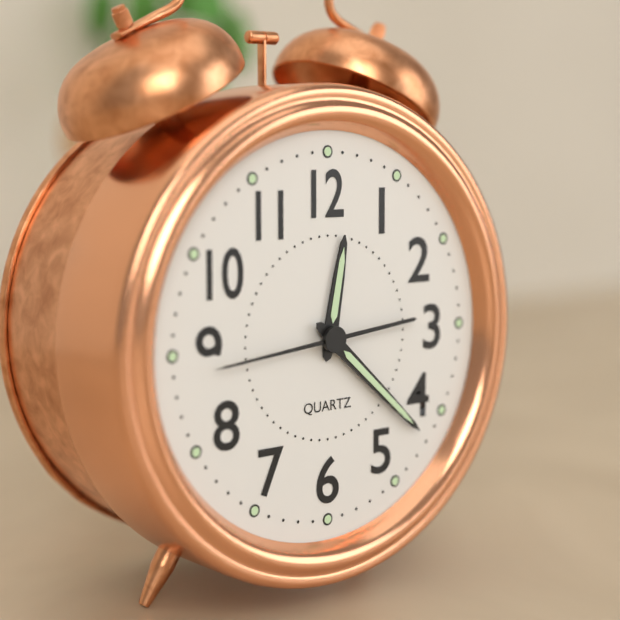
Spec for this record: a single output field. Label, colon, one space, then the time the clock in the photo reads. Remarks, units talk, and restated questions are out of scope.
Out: 12:22:44
